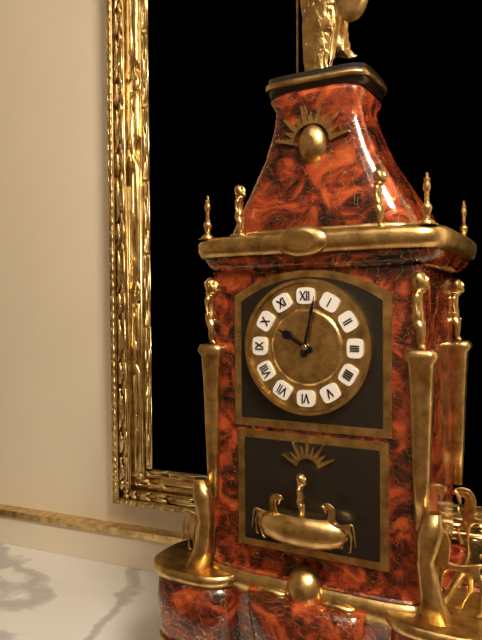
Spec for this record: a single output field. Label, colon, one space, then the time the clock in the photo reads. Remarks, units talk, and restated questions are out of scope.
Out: 10:02
